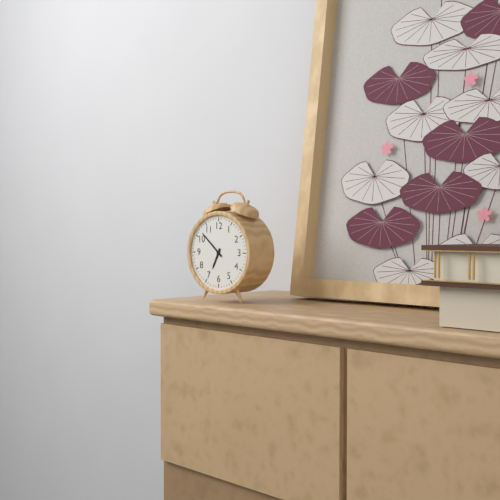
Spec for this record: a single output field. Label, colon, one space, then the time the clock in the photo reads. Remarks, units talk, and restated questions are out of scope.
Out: 6:52
